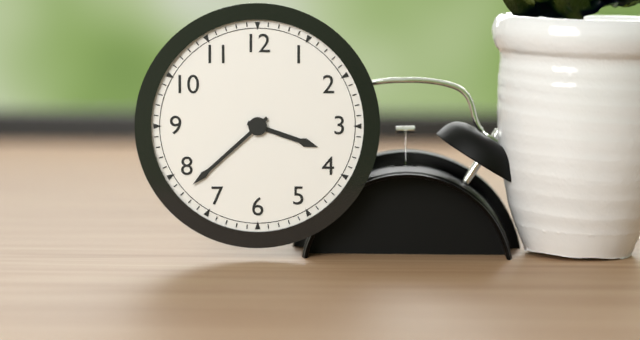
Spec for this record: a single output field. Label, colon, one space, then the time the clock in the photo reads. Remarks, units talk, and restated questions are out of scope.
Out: 3:38
